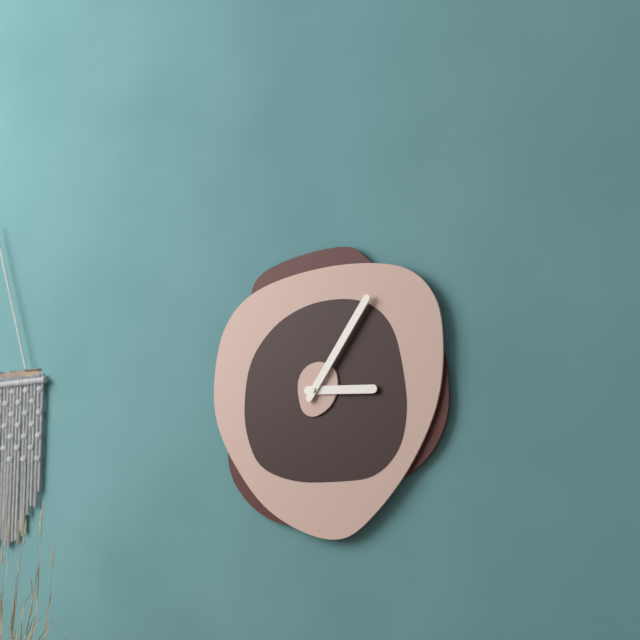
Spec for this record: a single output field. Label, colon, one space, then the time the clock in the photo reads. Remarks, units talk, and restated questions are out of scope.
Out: 3:06
